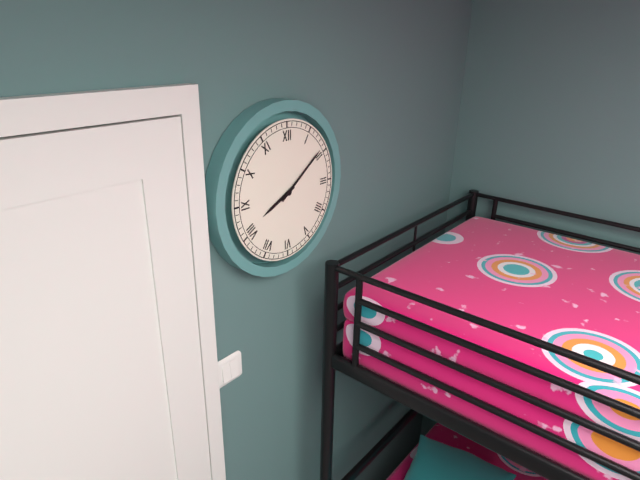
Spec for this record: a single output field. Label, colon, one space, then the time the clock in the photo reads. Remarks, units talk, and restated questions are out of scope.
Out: 8:09
